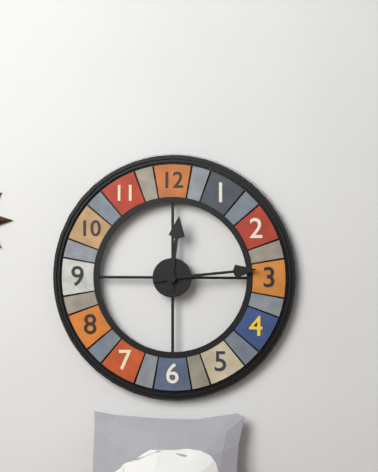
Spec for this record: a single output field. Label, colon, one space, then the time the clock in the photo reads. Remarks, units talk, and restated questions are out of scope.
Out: 12:14
